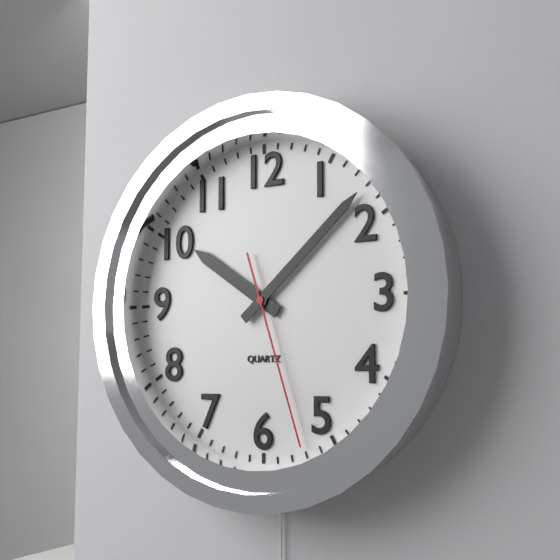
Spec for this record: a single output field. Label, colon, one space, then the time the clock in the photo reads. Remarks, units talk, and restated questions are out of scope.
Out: 10:08:27
